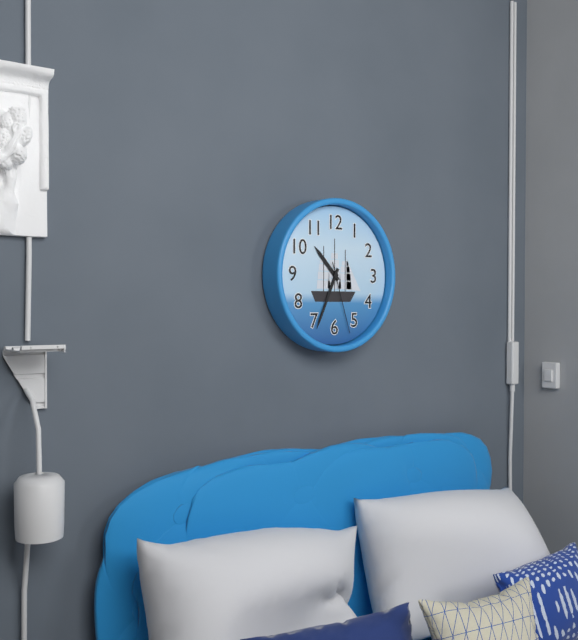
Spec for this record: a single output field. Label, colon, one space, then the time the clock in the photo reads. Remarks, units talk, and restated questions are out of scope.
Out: 10:34:27
